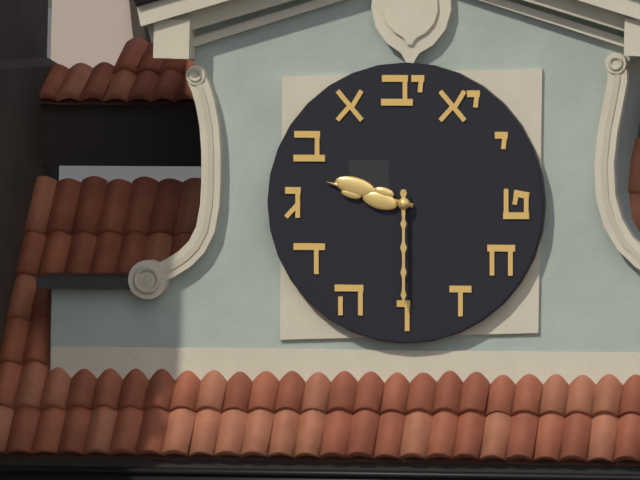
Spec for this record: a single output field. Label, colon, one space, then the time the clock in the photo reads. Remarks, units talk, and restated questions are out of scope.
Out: 9:30
